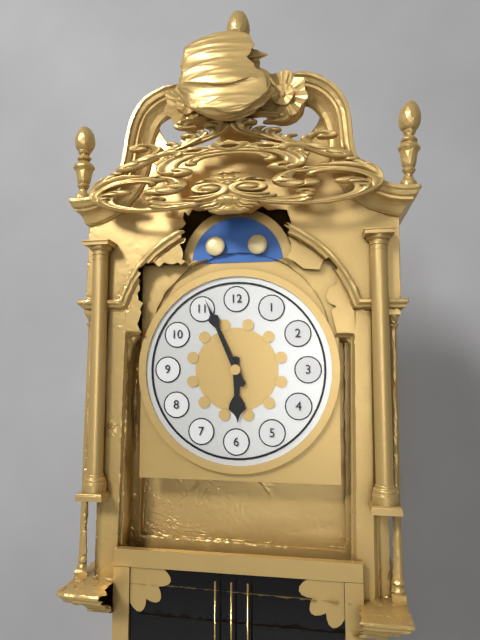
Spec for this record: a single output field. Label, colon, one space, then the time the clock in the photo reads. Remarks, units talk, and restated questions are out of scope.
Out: 5:56
